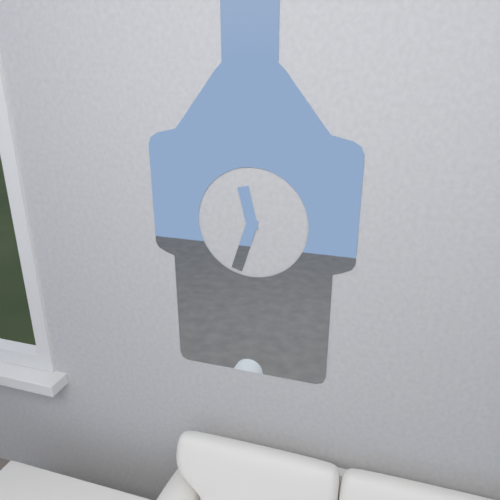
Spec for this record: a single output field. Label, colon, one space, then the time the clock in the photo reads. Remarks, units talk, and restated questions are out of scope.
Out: 11:33
